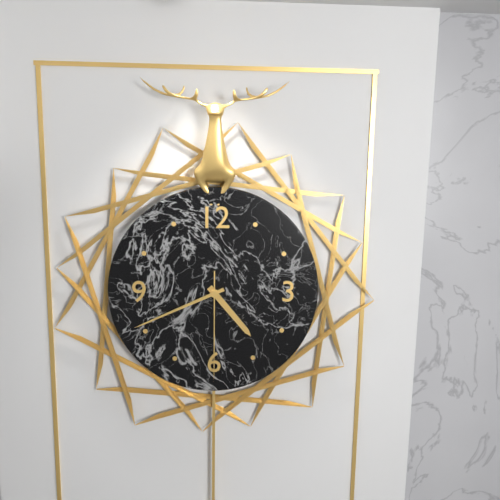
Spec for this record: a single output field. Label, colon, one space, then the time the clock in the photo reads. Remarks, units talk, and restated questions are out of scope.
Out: 4:41:30
